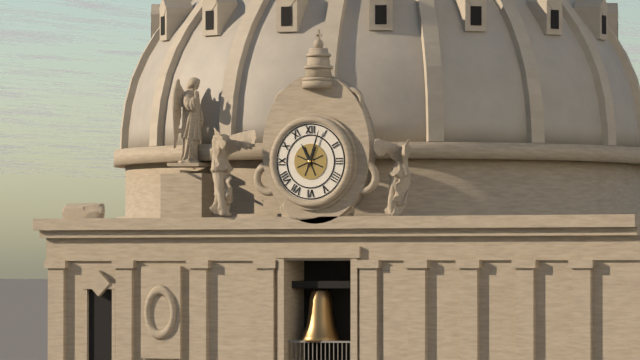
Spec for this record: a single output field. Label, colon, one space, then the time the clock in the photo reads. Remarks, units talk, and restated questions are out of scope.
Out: 11:03
